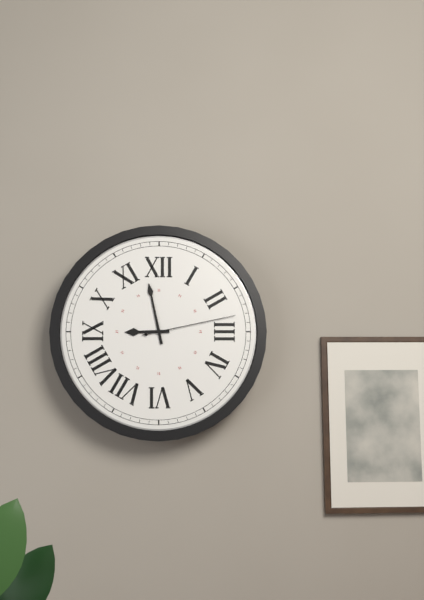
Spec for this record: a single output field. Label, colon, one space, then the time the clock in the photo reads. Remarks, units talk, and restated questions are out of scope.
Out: 8:58:13
